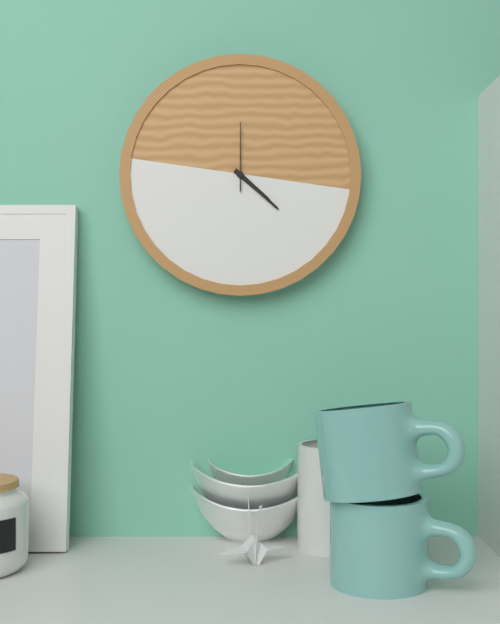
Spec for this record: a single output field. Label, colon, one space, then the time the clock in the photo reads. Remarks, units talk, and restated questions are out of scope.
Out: 4:22:00
